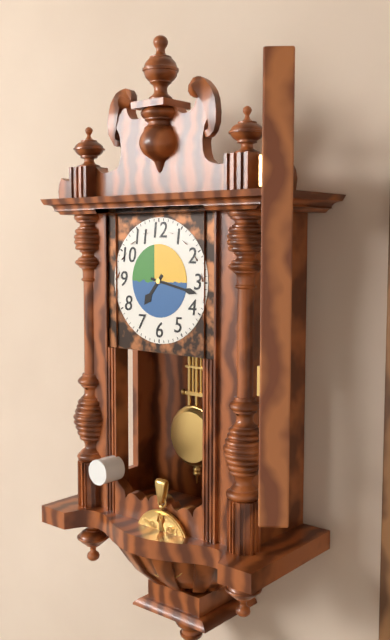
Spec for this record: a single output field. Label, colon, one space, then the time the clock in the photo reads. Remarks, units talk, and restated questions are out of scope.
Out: 7:17
